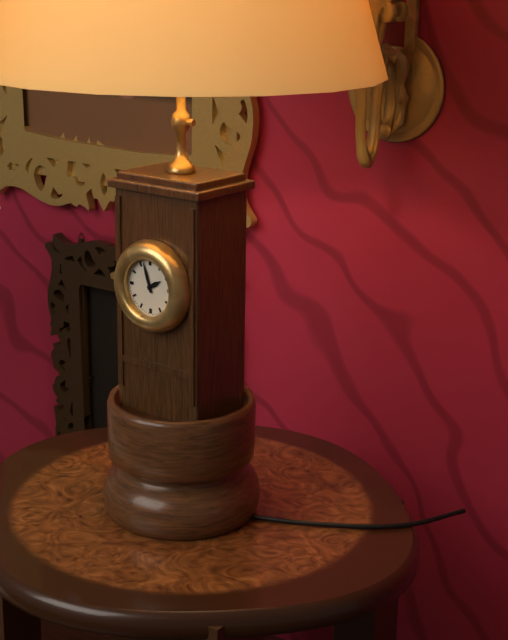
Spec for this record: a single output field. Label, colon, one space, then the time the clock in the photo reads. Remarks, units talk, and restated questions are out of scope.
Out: 1:57
